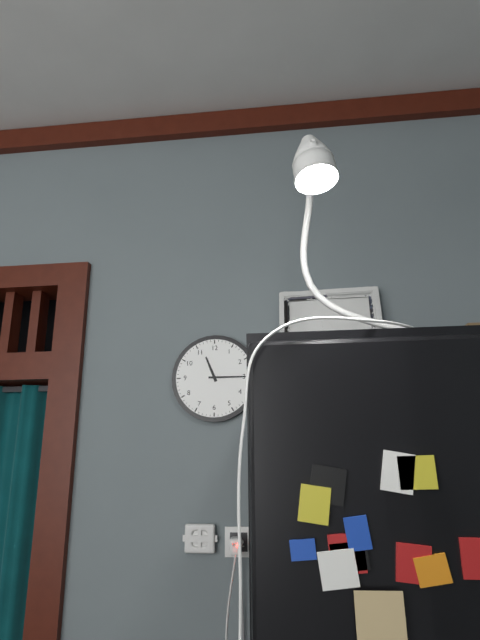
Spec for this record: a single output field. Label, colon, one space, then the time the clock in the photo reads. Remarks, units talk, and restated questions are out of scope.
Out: 11:15
